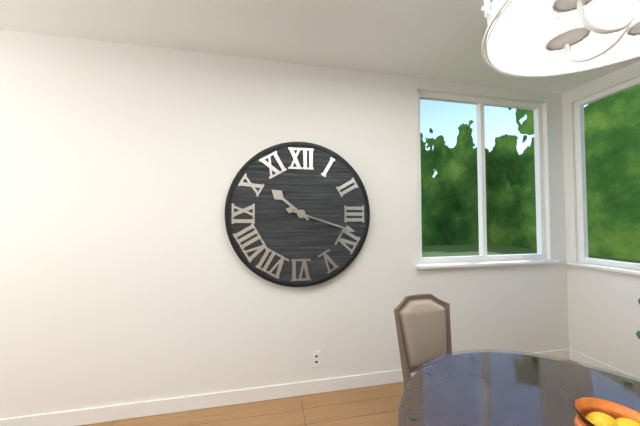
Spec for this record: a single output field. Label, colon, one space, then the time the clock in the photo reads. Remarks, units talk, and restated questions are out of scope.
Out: 10:18
